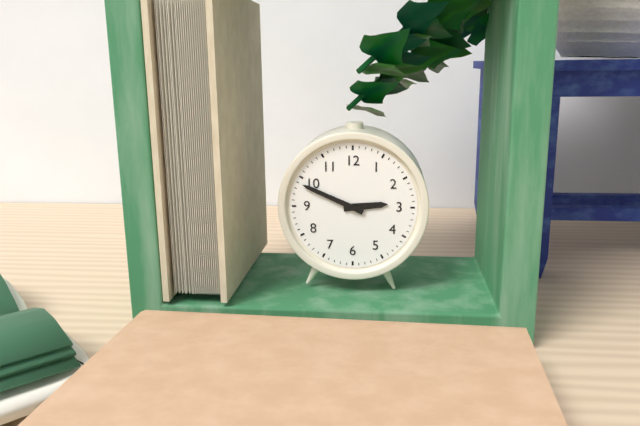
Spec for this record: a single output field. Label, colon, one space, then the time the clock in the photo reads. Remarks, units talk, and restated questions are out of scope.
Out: 2:49
